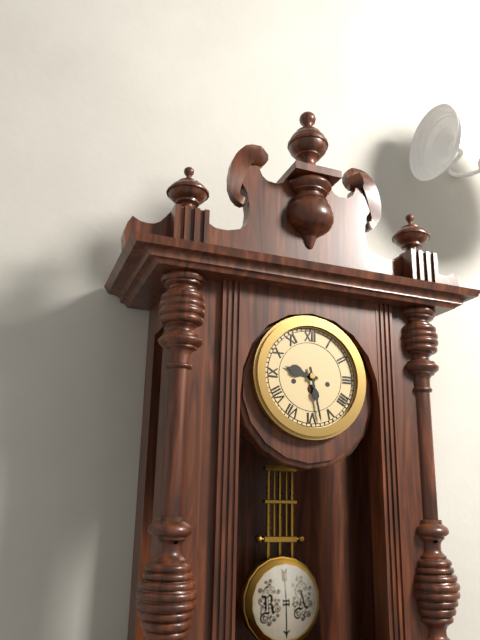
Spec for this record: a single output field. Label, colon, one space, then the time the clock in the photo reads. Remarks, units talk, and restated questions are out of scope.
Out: 9:28
